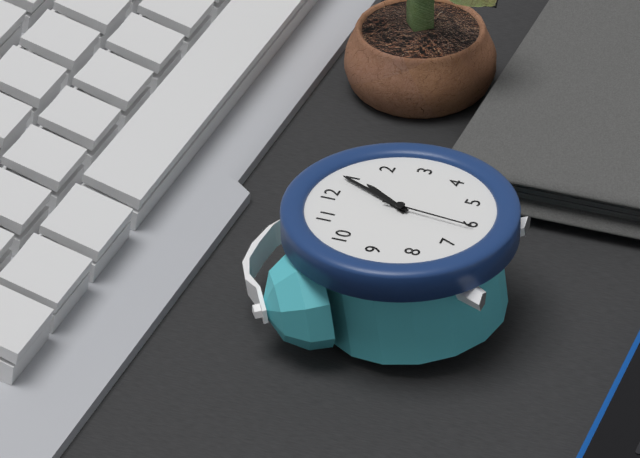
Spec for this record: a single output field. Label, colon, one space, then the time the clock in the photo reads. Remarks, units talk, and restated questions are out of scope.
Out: 1:04:31
